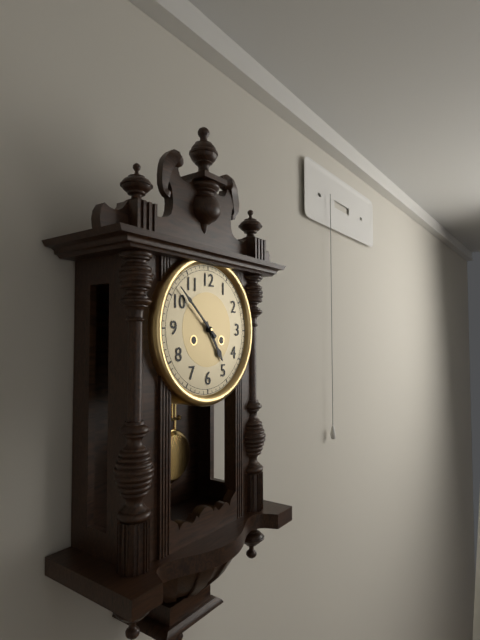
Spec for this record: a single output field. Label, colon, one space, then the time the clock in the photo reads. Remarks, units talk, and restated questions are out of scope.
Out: 4:52
